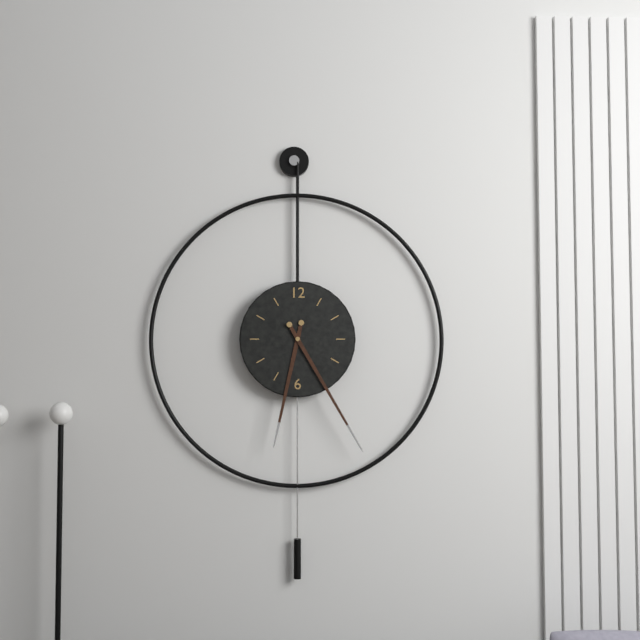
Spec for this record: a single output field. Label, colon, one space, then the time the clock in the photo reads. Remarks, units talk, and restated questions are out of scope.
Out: 6:25
